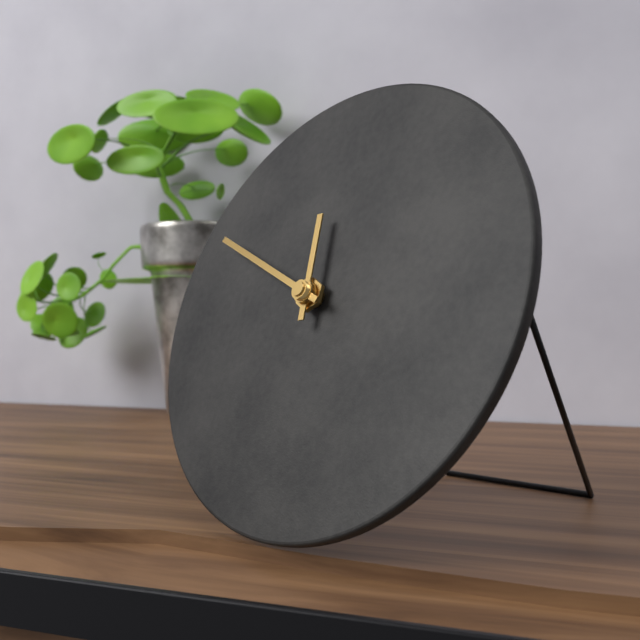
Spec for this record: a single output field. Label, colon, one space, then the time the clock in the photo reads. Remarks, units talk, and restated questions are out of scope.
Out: 11:49
